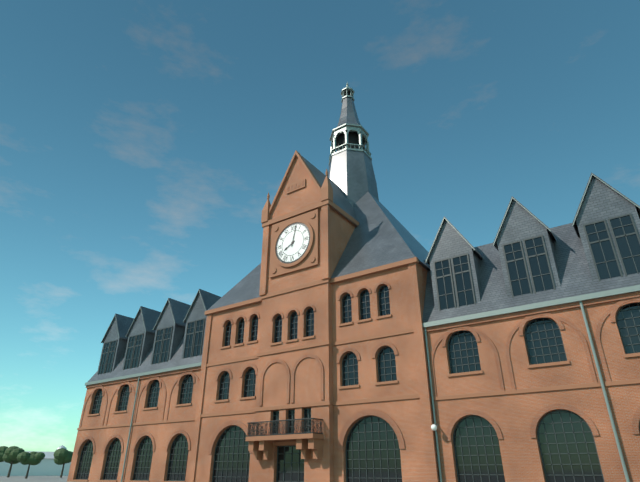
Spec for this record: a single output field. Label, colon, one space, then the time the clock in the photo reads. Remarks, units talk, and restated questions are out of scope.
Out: 8:02
